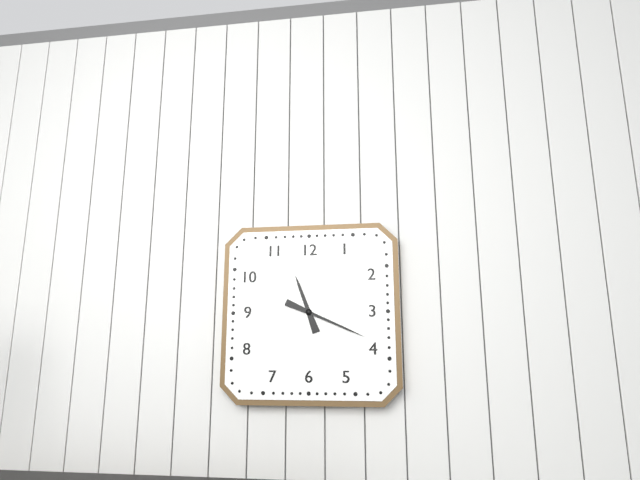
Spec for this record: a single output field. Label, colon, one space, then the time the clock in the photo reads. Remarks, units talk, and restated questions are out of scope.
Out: 11:19
